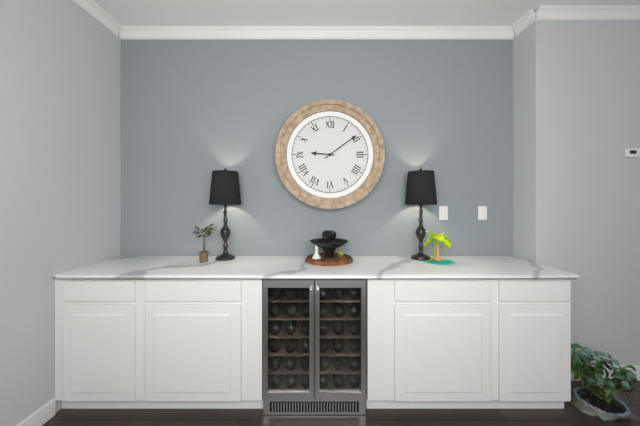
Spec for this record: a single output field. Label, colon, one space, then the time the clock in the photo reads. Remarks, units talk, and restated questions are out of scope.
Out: 9:09
